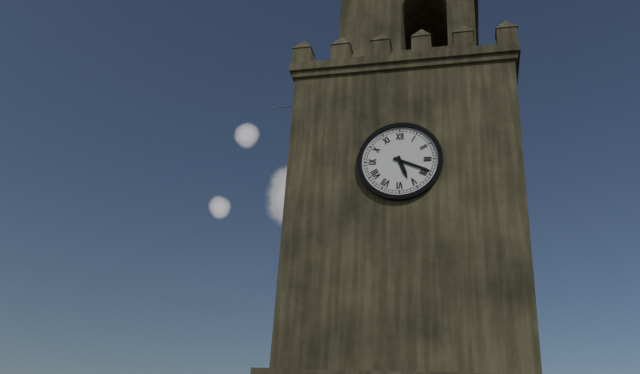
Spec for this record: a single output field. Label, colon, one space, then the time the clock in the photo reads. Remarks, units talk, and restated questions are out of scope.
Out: 5:19
